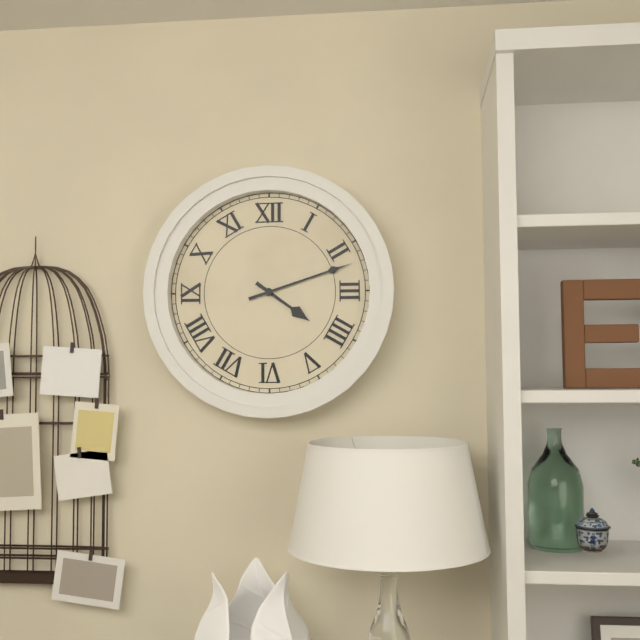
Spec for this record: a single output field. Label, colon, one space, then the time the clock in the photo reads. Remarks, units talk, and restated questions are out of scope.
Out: 4:12
